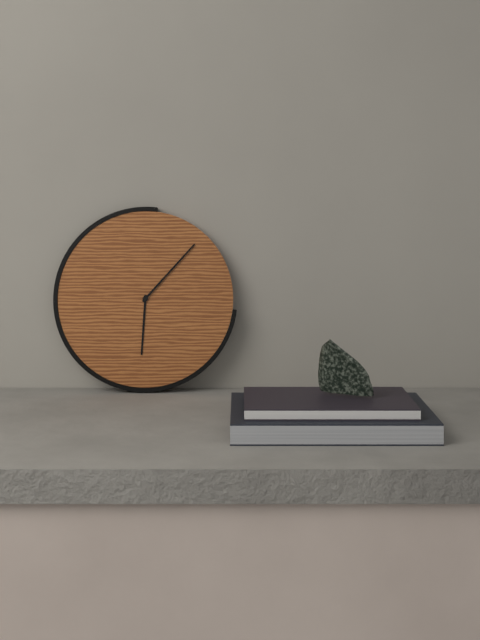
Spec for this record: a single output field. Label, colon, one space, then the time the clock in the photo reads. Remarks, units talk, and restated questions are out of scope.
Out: 6:07
